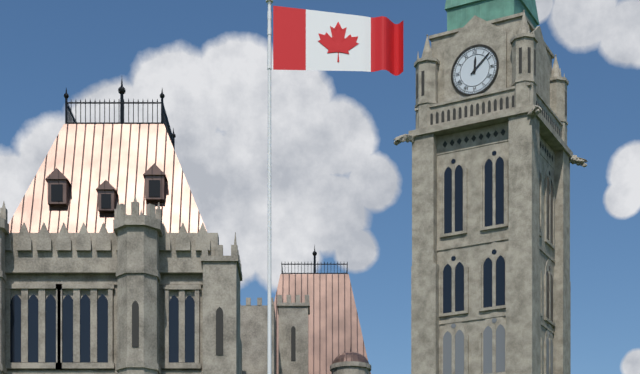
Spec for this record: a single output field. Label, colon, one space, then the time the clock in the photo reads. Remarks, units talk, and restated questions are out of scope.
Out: 12:08
